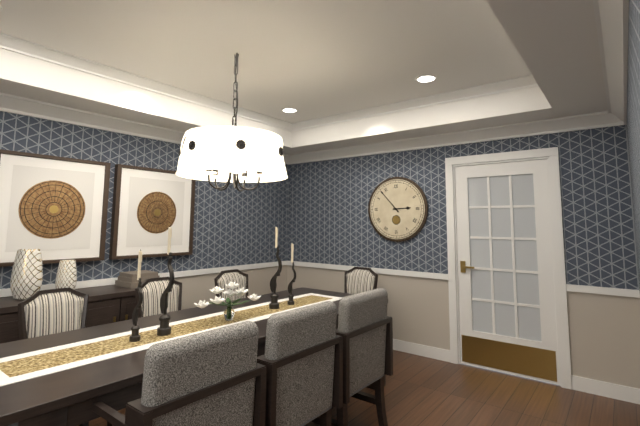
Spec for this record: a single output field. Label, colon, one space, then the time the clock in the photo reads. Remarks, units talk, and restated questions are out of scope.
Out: 2:53
